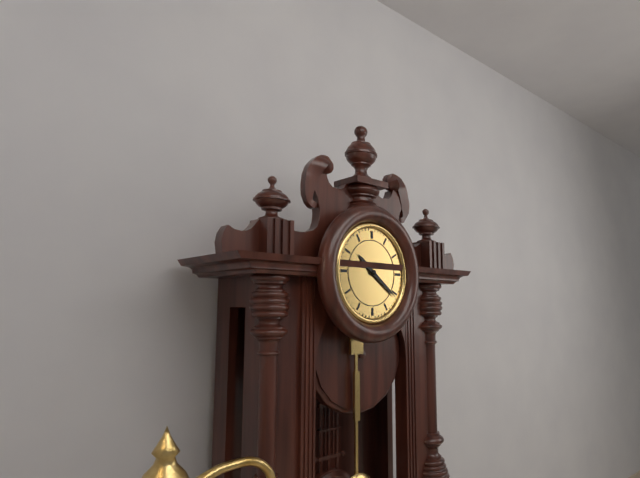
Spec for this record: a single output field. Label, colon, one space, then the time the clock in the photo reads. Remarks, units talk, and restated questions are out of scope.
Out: 10:21
